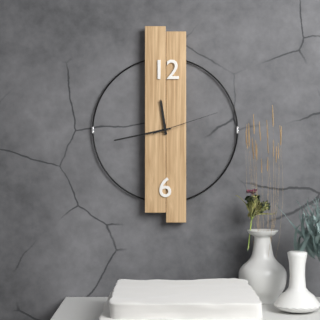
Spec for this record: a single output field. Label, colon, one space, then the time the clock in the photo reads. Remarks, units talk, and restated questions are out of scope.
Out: 11:43:12
